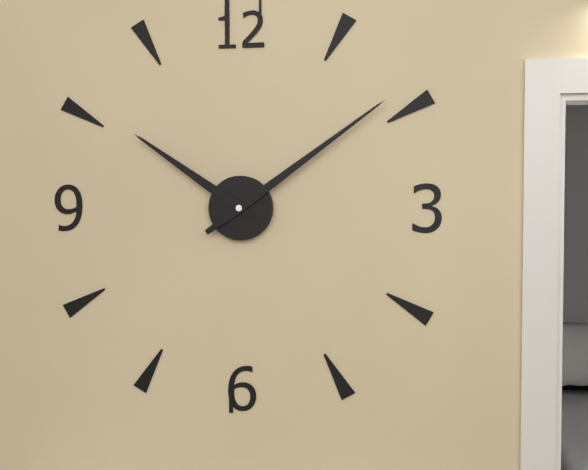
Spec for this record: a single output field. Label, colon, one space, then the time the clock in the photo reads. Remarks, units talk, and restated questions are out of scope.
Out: 10:09
